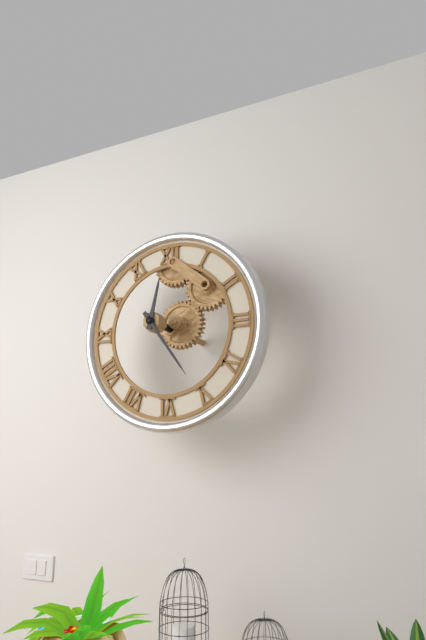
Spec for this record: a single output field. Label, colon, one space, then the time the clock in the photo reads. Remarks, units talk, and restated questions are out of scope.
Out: 12:24
